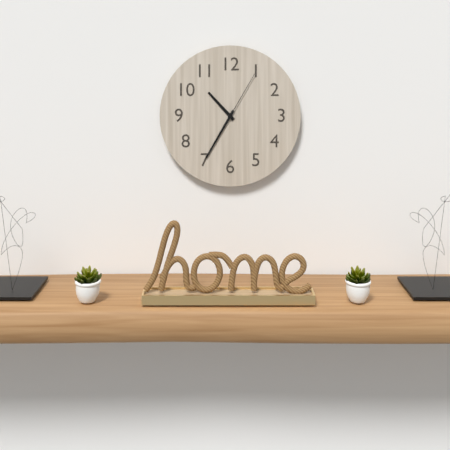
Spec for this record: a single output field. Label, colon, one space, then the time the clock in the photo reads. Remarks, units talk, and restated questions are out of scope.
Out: 10:35:05
